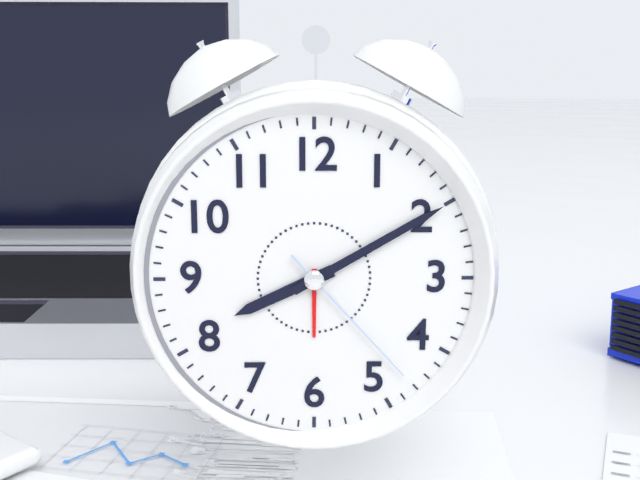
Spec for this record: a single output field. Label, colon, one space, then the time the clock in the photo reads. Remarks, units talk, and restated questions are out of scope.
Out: 8:10:23
